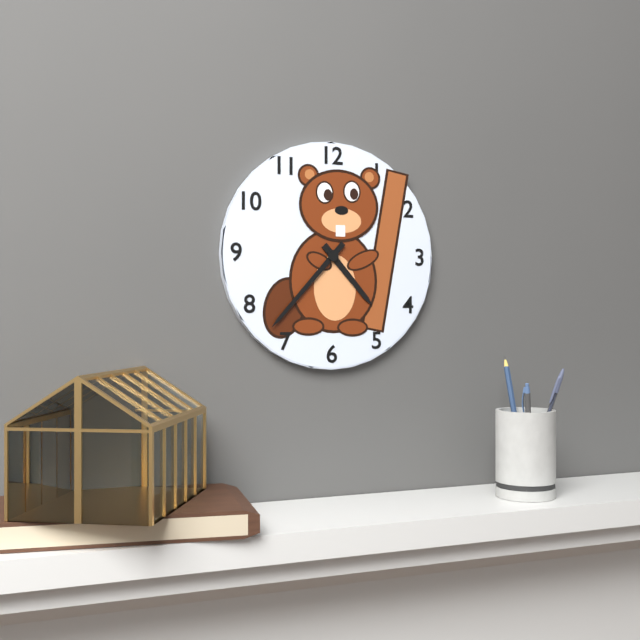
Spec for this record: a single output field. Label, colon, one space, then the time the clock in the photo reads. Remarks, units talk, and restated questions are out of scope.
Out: 4:37
